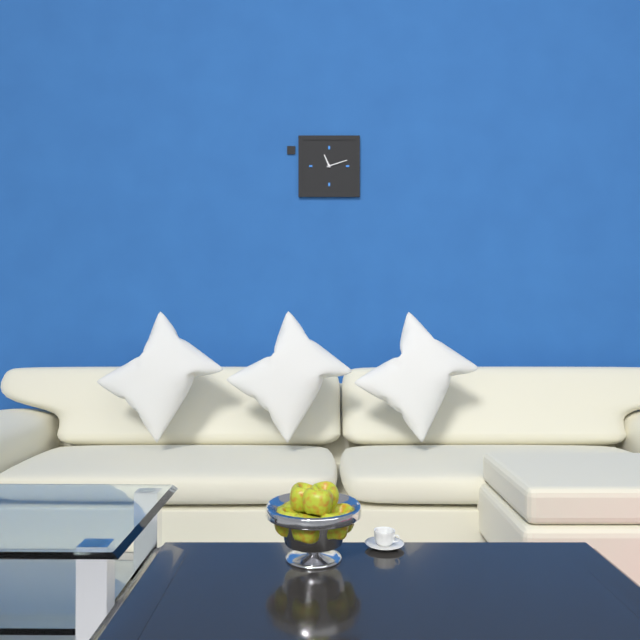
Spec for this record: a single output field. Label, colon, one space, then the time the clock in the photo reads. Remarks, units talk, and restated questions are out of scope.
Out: 11:12
